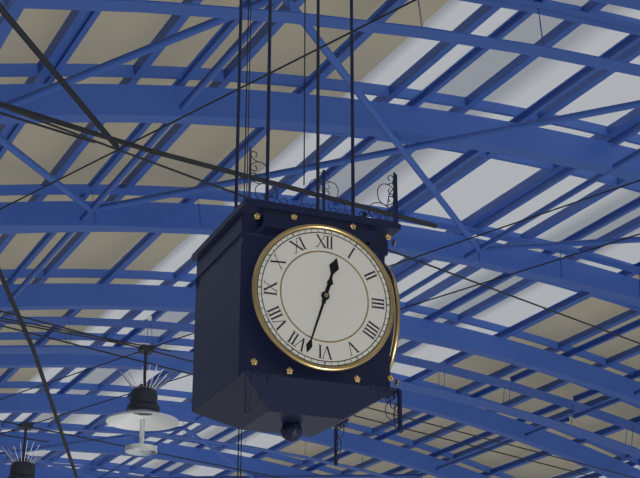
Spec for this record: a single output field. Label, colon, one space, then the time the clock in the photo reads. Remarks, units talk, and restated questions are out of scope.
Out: 12:33
